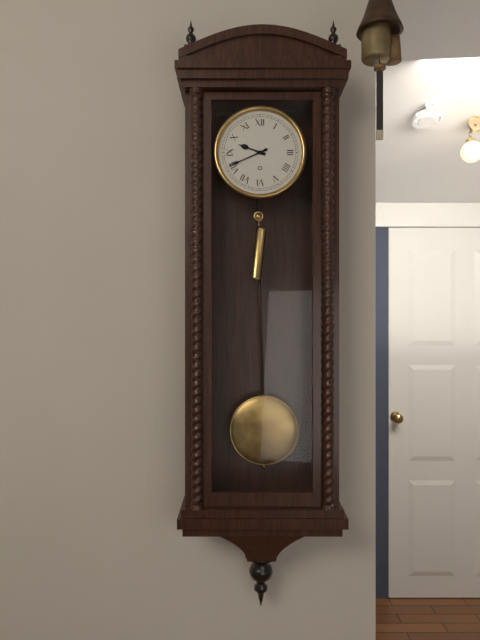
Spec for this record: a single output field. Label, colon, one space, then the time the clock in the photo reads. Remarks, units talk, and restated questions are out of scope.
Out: 9:41
